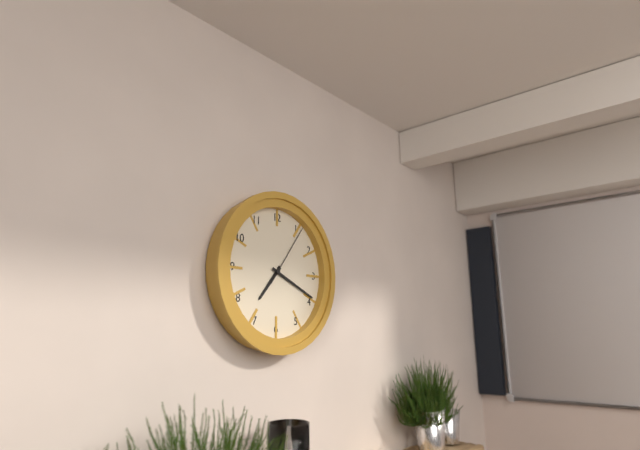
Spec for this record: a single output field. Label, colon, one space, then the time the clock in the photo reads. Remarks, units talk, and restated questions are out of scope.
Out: 7:19:06
